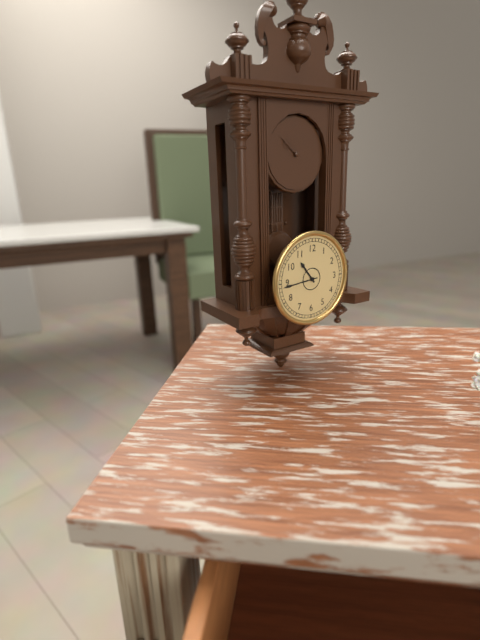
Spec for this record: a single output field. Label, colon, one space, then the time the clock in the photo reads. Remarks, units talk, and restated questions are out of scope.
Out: 10:44
